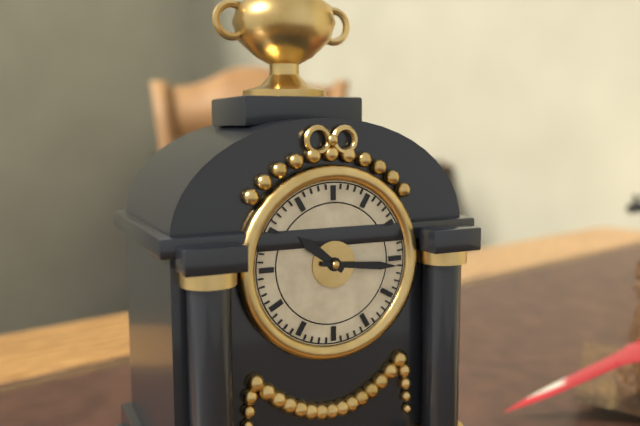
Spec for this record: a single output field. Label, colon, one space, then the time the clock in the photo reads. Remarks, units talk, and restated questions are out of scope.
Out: 10:16
